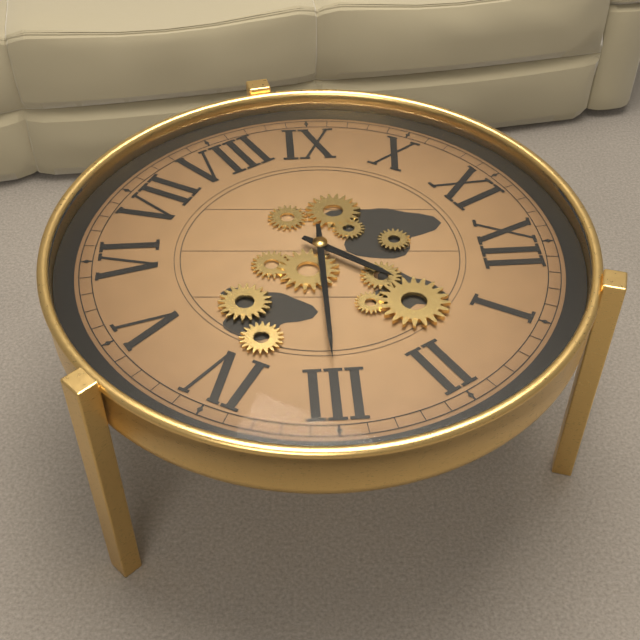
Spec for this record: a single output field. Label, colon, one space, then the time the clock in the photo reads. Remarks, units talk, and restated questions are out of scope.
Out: 1:15
